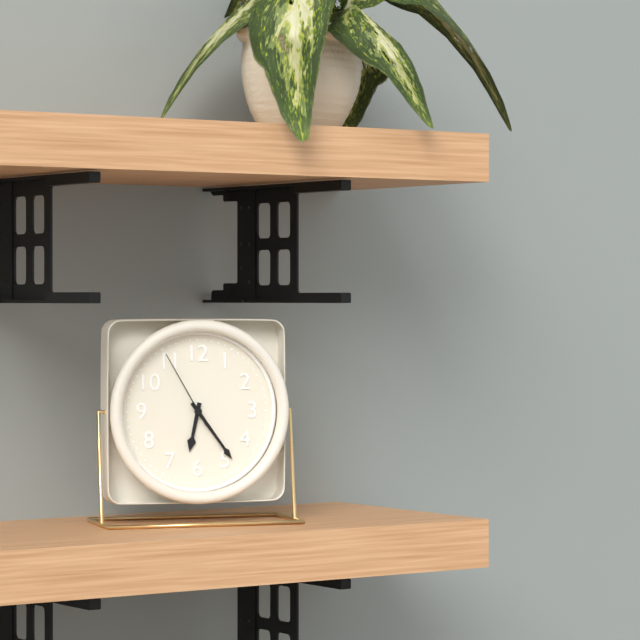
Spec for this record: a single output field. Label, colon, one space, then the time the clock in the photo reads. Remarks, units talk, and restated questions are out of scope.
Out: 6:24:55
